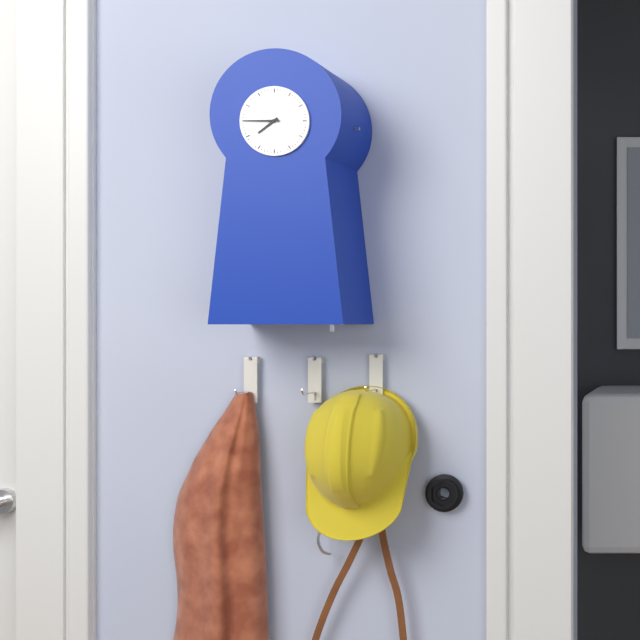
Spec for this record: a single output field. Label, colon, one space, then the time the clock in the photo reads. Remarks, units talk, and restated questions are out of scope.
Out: 7:45
